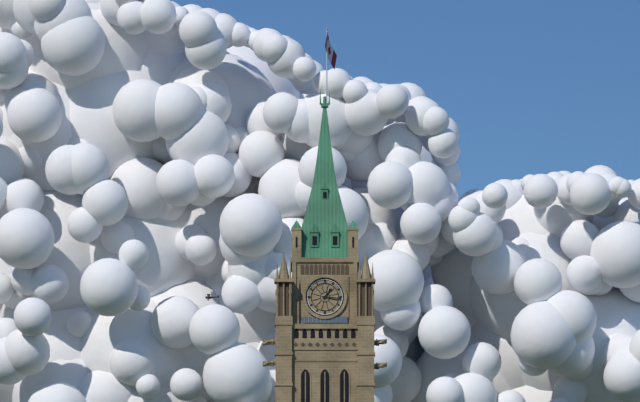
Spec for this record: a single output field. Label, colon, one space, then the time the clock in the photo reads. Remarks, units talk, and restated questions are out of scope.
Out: 1:16
